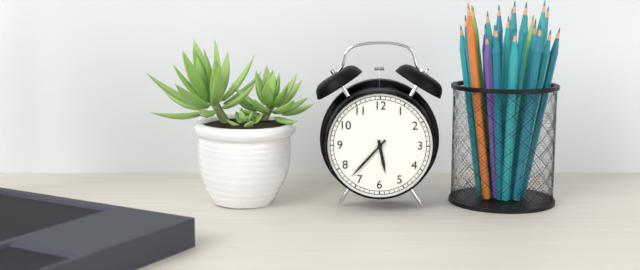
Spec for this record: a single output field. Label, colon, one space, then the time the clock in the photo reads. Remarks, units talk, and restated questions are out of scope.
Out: 5:37
